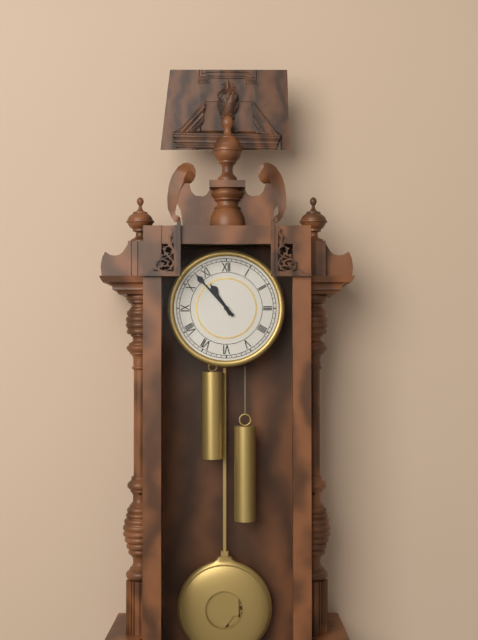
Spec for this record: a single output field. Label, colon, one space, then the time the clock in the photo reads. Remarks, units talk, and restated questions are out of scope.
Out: 10:53
